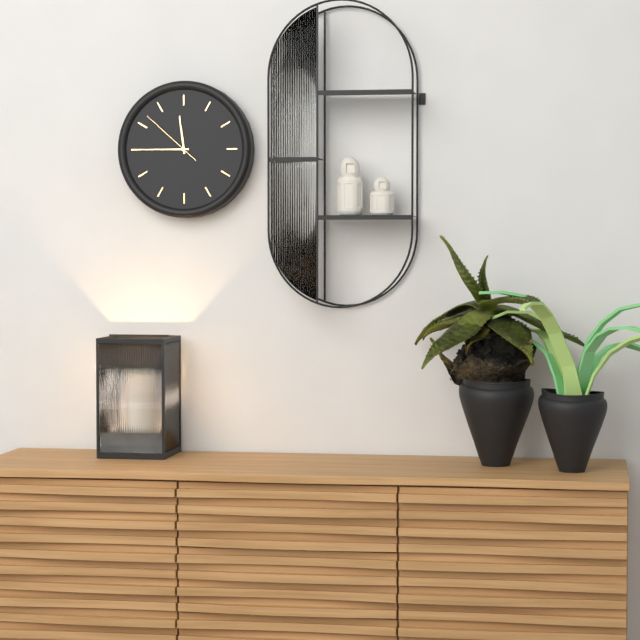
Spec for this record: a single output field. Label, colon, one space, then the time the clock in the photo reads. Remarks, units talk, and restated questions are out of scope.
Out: 11:45:52
